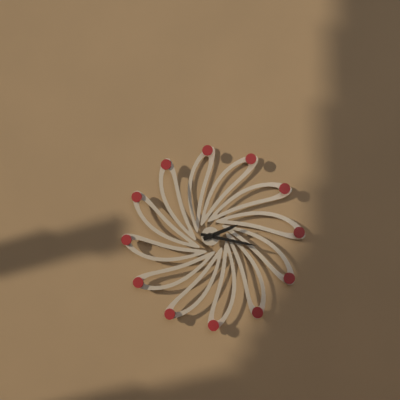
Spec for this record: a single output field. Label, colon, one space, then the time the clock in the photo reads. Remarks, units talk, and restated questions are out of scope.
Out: 2:17
